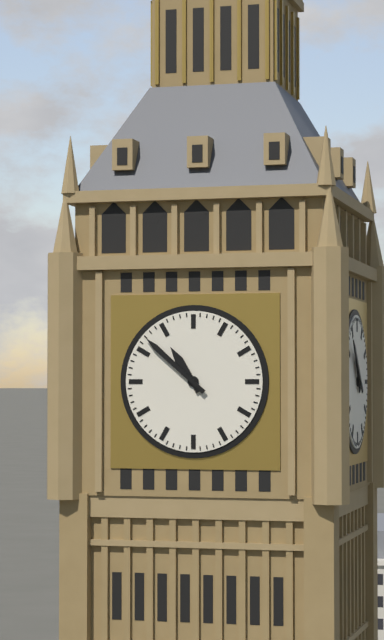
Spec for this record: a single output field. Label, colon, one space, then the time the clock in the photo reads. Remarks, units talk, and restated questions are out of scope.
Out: 10:52
